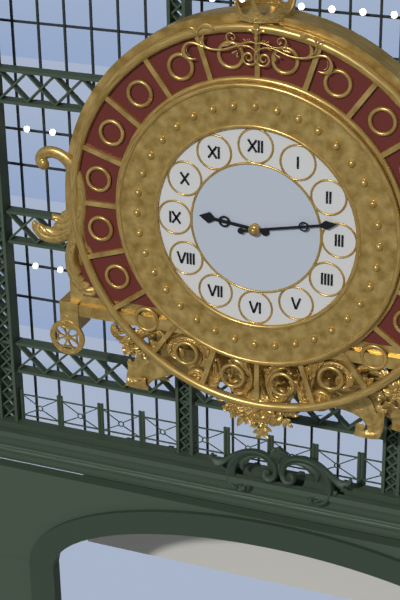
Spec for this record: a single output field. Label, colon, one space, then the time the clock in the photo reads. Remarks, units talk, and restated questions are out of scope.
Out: 9:13
